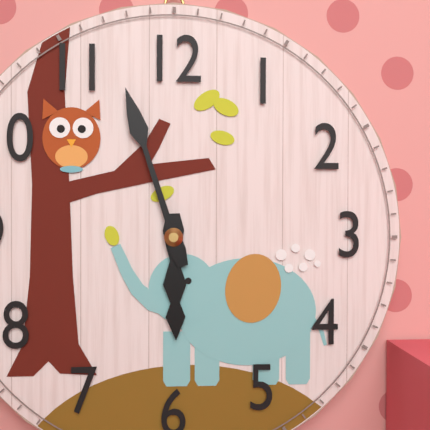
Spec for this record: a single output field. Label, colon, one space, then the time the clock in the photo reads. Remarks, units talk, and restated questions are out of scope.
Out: 5:57
